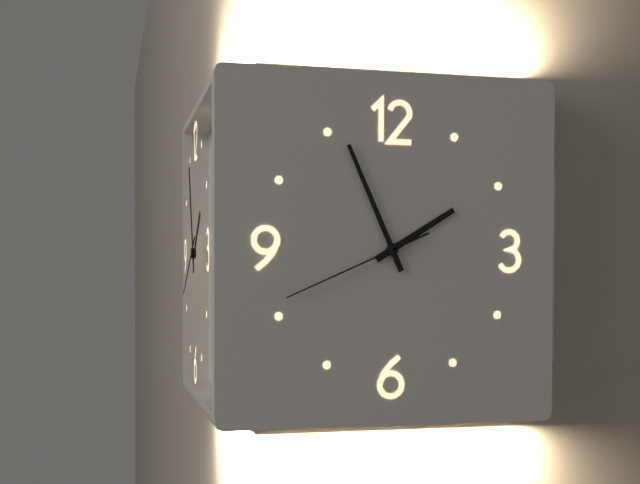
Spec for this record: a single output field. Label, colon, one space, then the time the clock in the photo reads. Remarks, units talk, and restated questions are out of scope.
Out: 1:56:41
